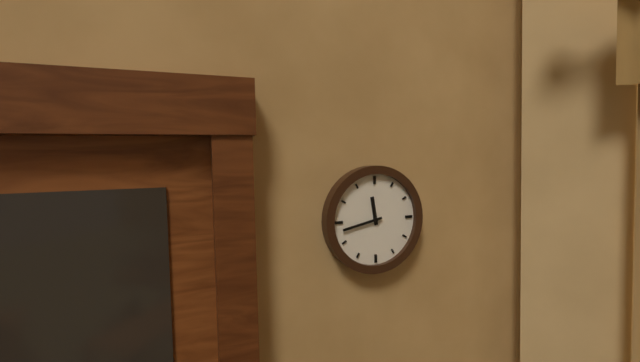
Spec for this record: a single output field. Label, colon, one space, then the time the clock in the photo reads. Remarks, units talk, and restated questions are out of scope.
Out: 11:43
